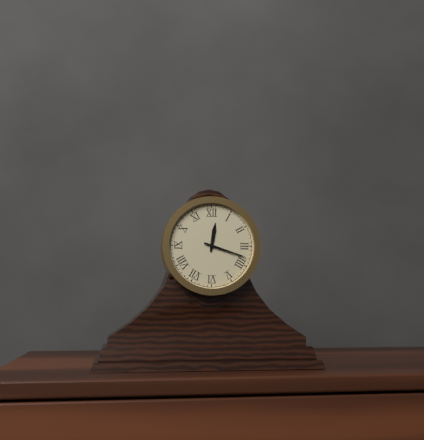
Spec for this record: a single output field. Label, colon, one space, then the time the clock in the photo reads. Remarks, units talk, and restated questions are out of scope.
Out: 12:18
